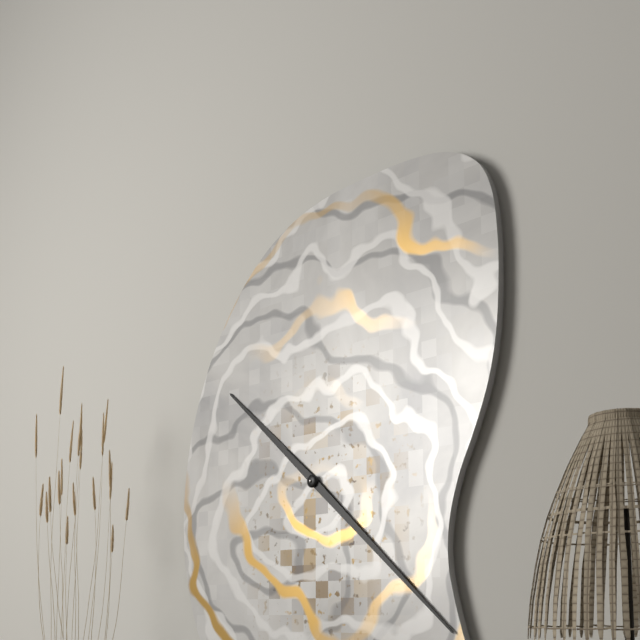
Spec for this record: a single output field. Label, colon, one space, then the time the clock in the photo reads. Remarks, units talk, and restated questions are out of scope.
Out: 10:22
